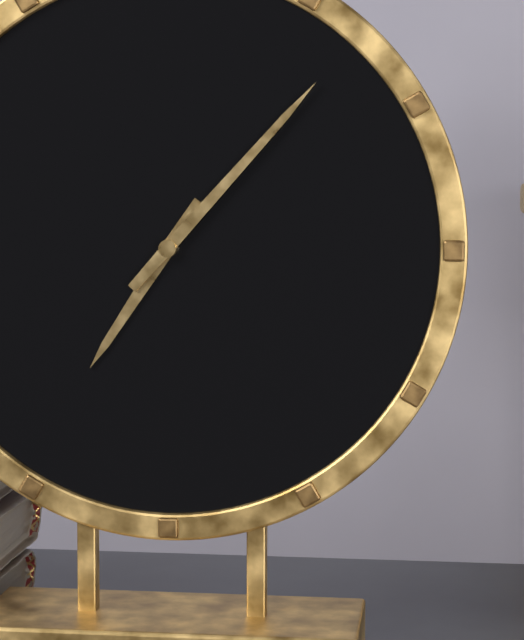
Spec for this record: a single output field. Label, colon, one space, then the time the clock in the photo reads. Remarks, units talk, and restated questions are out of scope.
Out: 7:07
